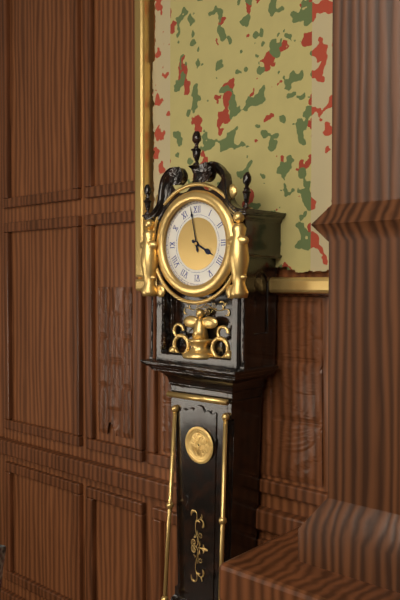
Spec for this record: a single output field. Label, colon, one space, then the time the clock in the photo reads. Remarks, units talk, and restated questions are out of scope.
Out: 3:58
